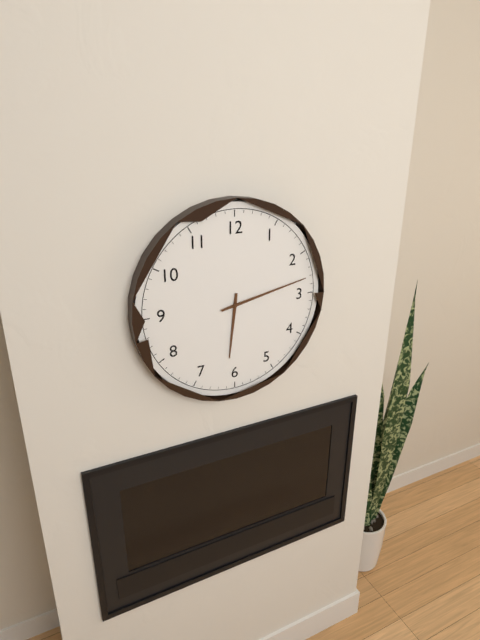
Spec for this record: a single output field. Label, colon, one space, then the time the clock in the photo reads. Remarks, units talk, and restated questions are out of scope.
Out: 6:13
